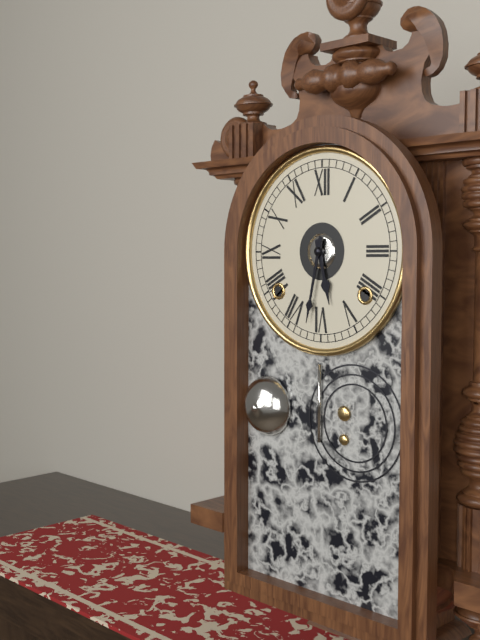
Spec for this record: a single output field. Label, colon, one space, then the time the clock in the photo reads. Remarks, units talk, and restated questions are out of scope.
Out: 5:32
